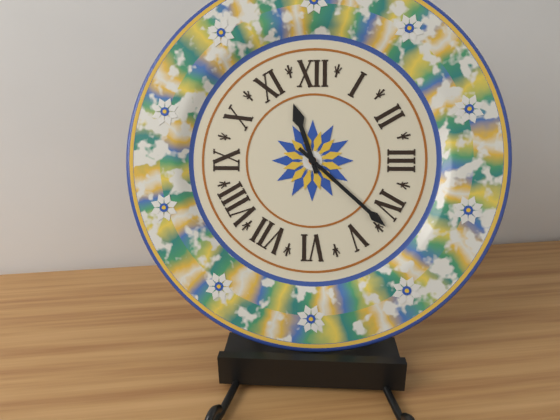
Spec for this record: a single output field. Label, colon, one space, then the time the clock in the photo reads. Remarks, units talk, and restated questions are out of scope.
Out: 11:22
